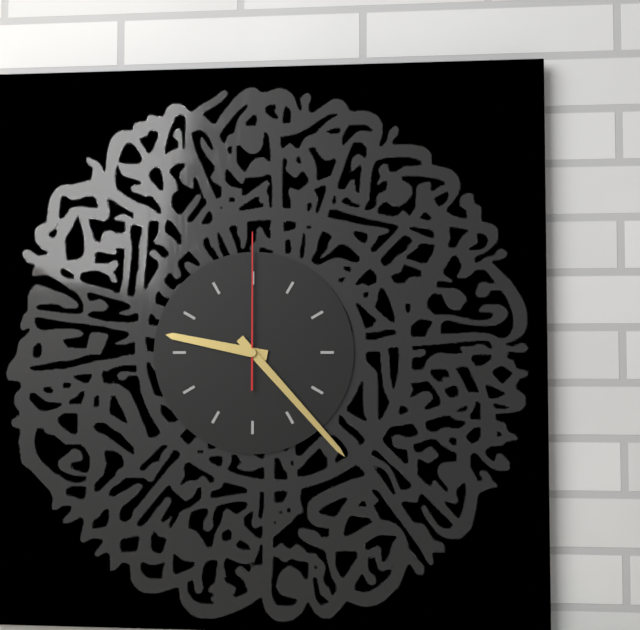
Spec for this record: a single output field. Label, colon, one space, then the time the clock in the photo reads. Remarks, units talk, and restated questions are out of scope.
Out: 9:23:00
